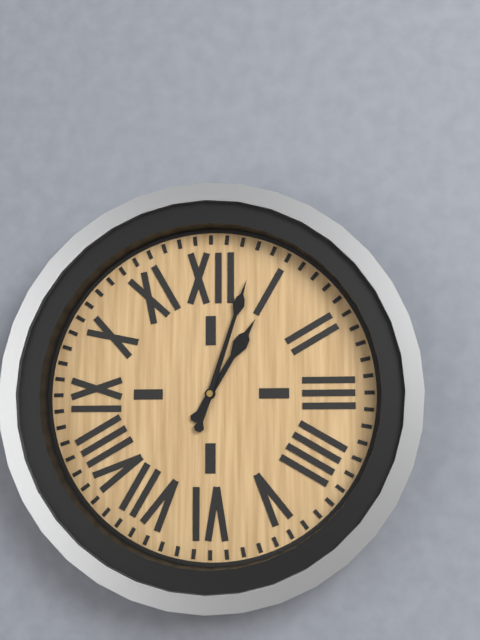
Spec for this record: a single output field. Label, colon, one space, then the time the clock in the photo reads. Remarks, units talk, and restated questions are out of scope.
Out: 1:03
